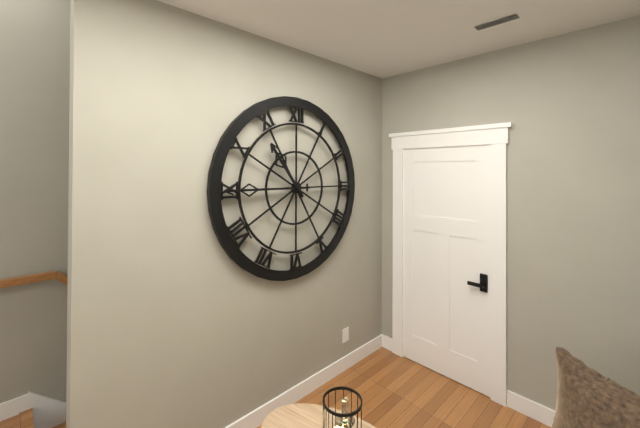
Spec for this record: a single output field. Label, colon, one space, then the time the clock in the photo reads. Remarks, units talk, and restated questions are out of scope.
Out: 10:45
